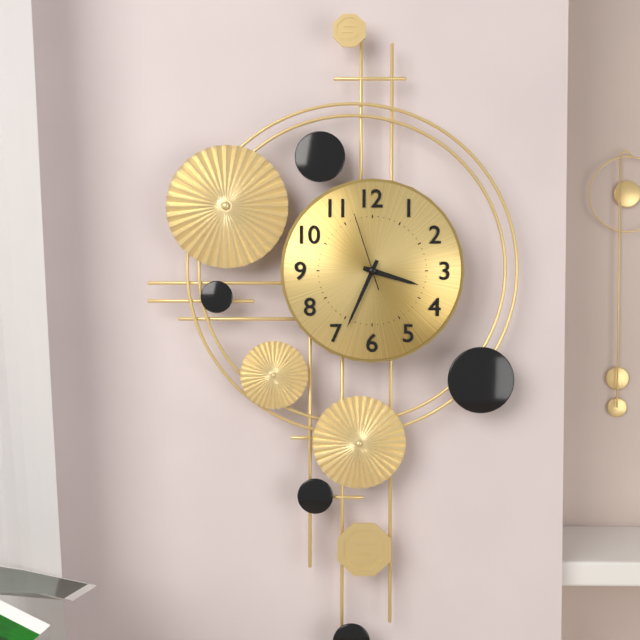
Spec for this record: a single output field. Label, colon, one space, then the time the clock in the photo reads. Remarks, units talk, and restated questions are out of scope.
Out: 3:34:57
